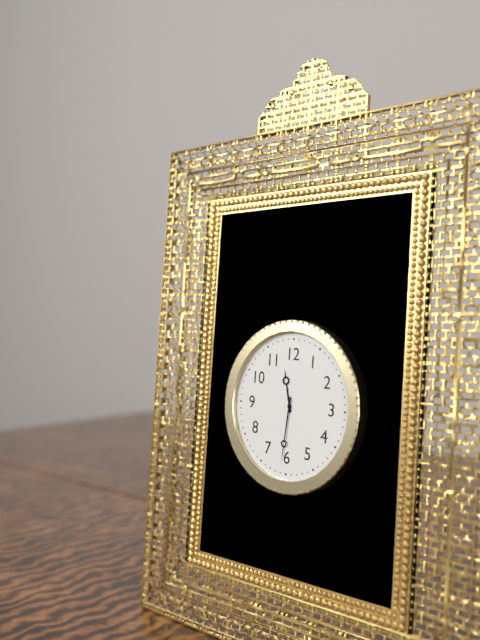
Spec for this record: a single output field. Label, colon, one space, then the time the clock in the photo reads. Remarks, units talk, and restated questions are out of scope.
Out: 11:31
